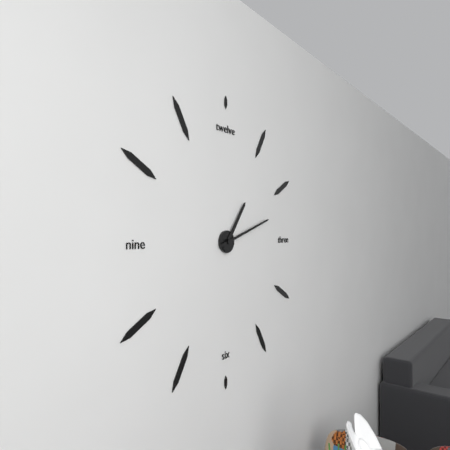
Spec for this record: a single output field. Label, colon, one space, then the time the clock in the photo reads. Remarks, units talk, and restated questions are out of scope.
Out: 1:12
